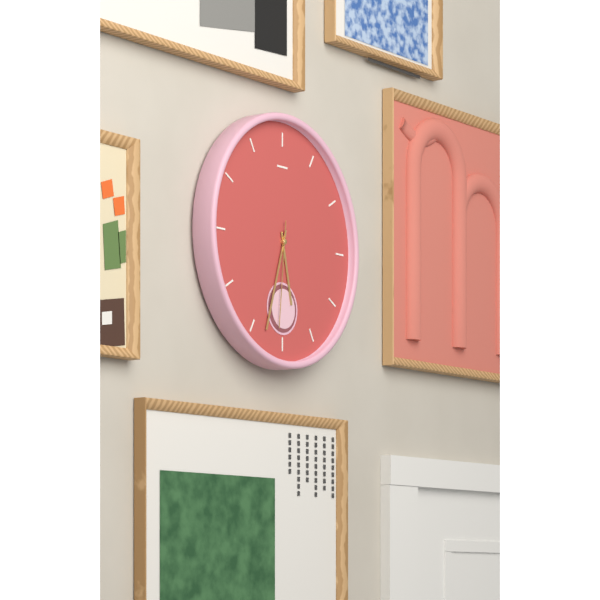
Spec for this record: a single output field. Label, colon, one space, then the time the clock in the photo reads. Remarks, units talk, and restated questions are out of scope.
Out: 5:33:31
